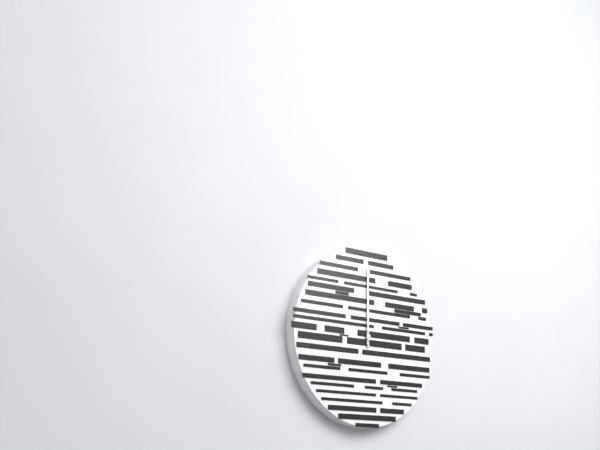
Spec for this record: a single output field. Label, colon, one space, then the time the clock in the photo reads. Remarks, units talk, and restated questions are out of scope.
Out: 12:00
